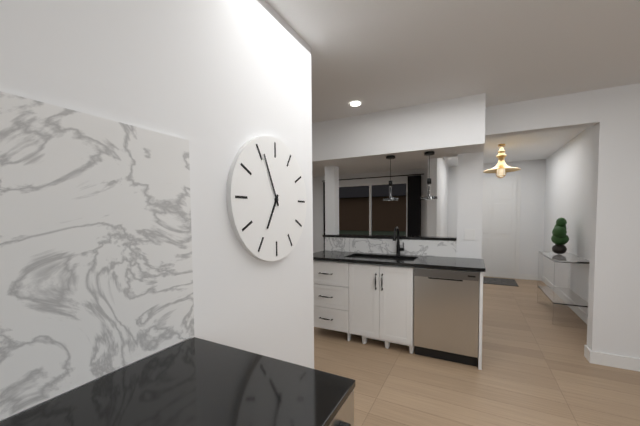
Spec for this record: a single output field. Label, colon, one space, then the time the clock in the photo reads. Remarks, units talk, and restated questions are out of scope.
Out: 6:56
